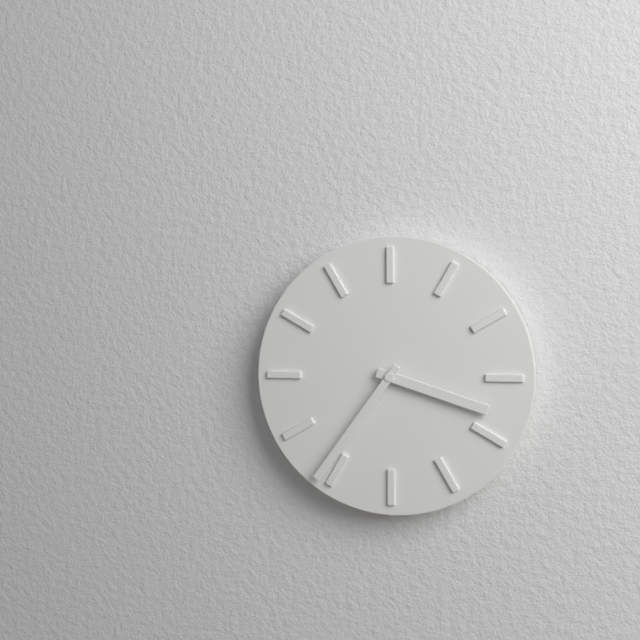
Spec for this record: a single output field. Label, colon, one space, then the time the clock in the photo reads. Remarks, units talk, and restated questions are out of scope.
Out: 3:36
